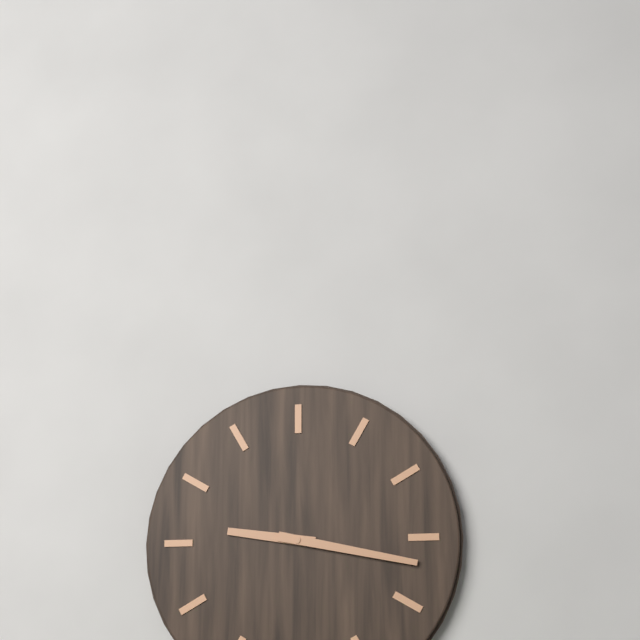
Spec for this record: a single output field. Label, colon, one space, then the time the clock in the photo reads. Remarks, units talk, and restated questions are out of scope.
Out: 9:17
